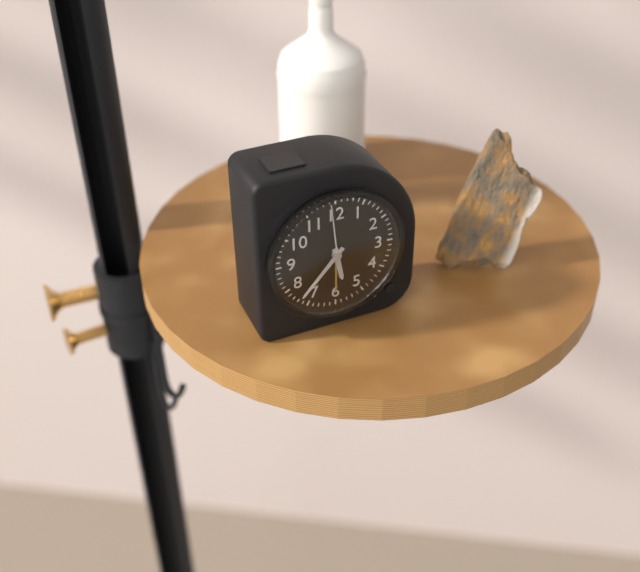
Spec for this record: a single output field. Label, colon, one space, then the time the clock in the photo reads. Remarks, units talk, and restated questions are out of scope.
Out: 5:37:59
